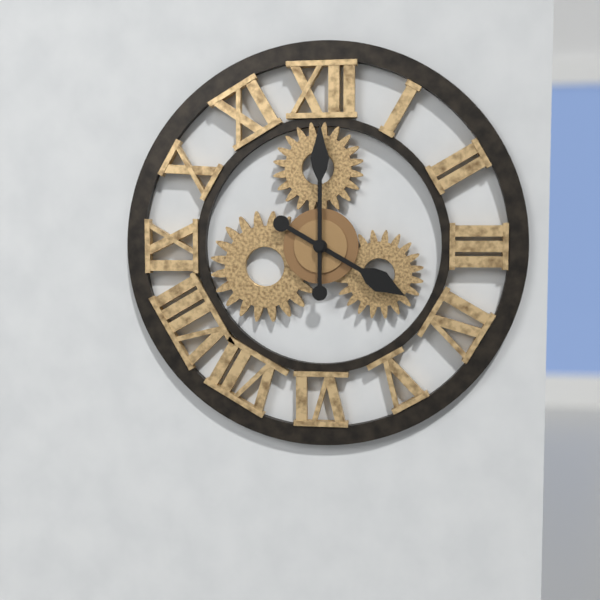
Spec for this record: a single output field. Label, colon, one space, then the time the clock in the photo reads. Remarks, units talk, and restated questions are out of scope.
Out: 4:00
